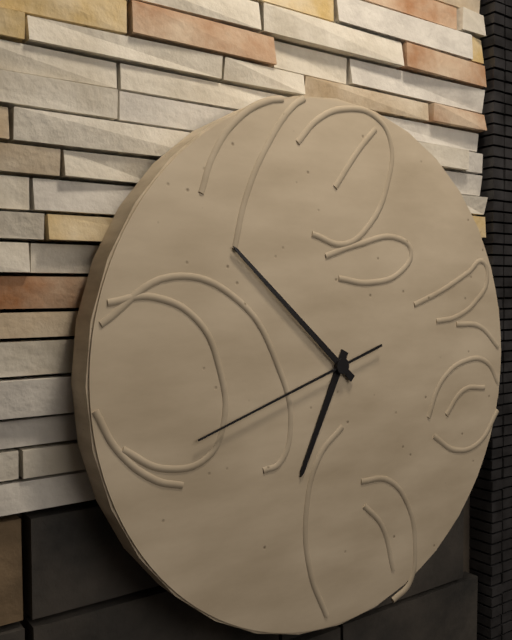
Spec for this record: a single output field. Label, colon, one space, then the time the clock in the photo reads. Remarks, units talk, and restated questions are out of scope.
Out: 6:52:42
